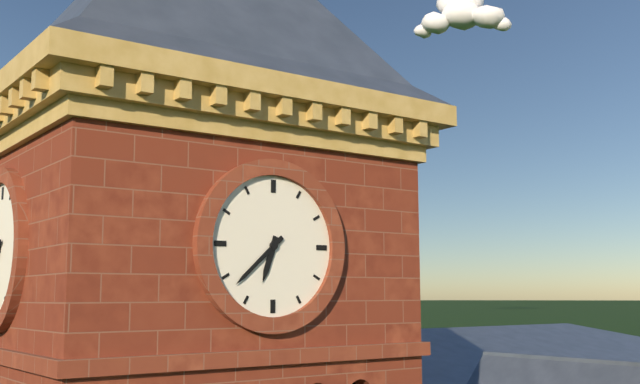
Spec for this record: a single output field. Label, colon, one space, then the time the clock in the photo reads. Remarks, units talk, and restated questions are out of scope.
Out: 6:38
